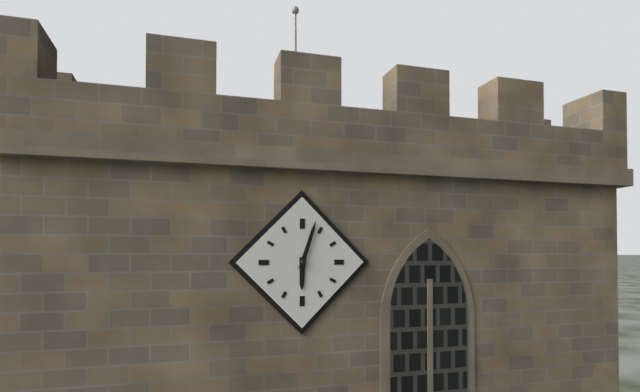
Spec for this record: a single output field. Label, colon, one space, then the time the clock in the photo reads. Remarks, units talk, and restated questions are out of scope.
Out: 6:03
